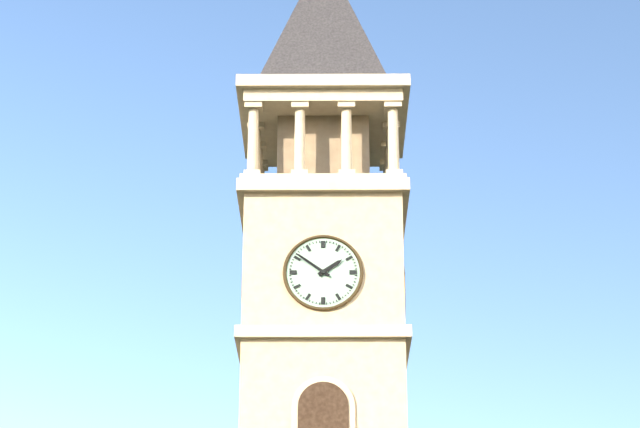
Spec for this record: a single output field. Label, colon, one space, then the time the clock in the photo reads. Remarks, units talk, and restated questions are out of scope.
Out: 1:51
